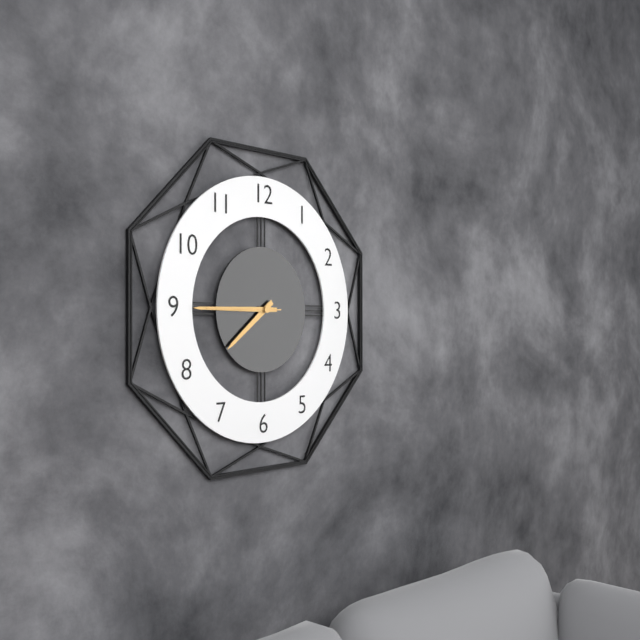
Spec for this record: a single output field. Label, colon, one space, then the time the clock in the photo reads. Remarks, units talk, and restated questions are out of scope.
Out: 7:45:45
